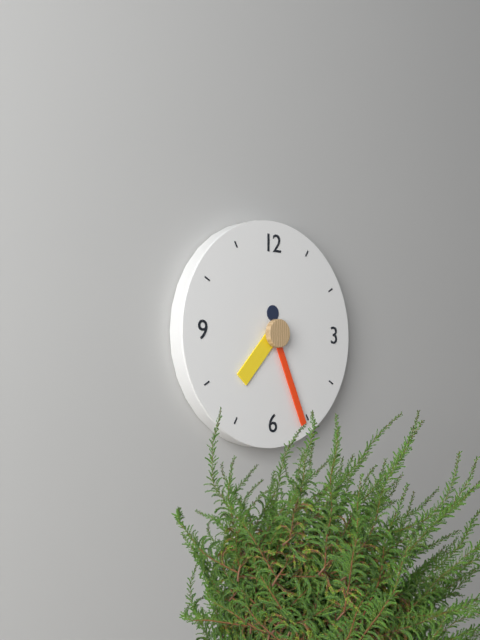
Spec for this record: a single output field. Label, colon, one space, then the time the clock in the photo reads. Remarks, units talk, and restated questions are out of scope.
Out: 7:26
